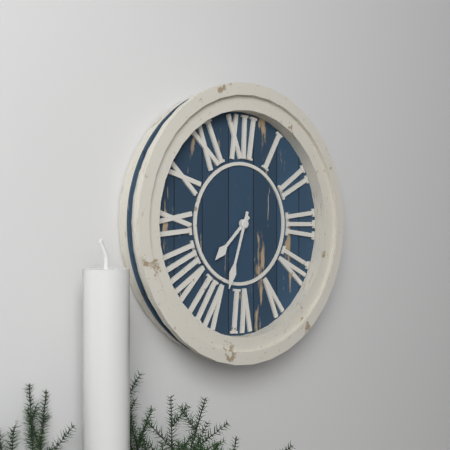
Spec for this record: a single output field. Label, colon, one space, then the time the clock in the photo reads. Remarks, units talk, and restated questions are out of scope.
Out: 7:33
